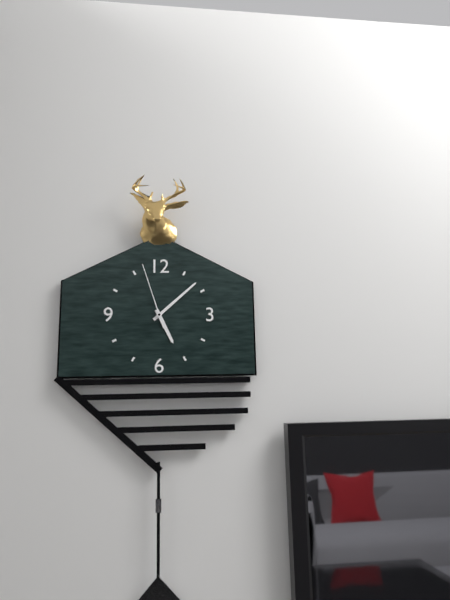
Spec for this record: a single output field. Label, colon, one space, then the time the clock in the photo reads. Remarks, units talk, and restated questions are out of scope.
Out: 5:08:57
